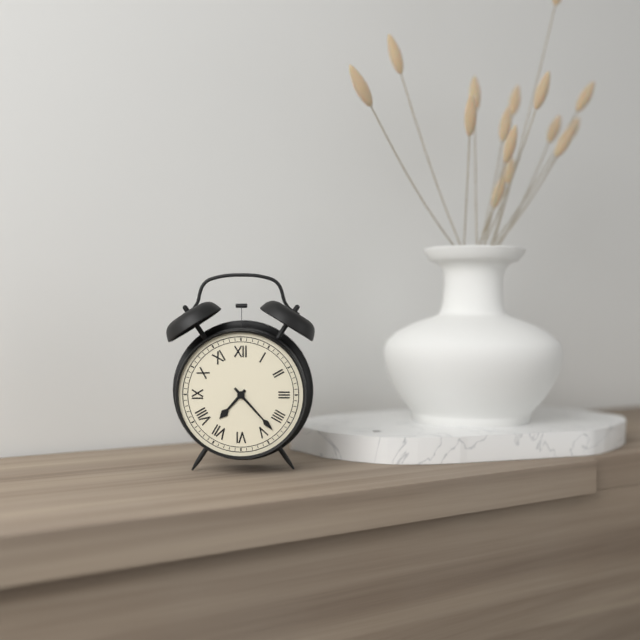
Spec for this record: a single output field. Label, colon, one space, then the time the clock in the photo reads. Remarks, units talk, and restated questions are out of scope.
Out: 7:23
